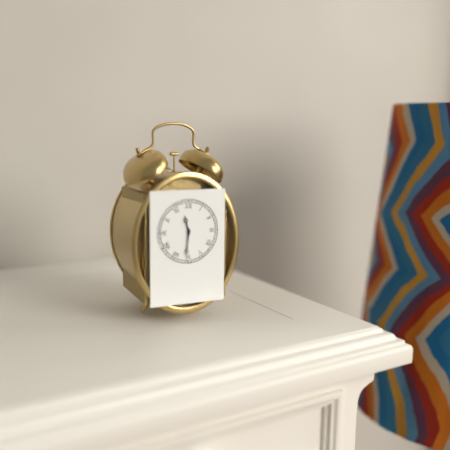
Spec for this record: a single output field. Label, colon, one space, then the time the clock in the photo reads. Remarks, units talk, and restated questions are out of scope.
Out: 11:31
